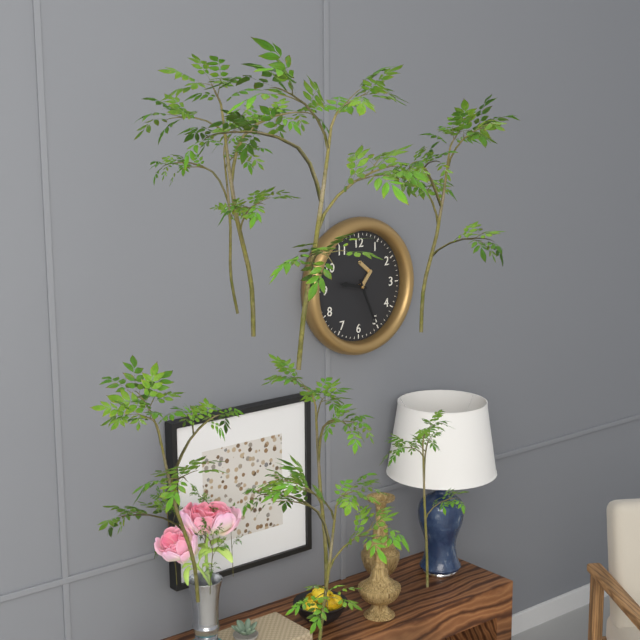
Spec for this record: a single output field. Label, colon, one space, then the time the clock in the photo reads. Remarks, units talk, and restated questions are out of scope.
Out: 9:26
